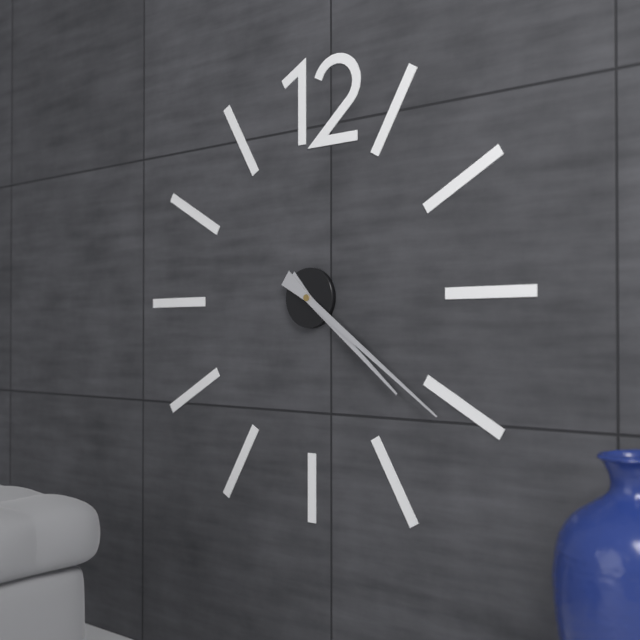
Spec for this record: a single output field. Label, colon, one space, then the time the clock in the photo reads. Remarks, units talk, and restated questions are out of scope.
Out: 4:21
